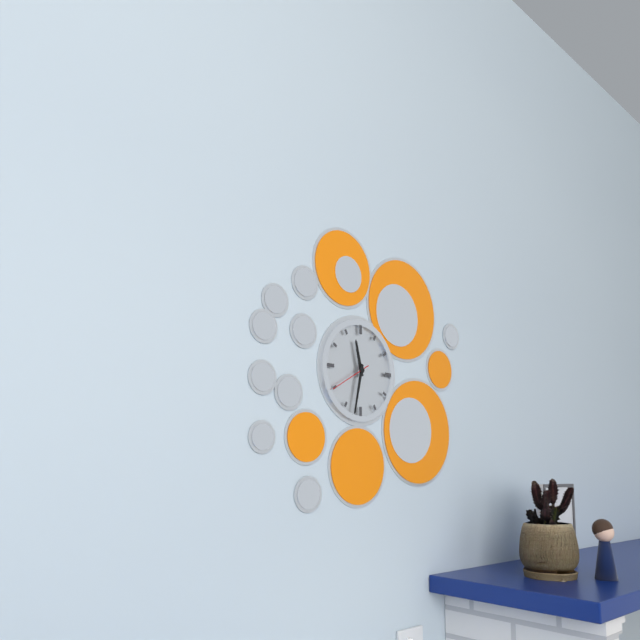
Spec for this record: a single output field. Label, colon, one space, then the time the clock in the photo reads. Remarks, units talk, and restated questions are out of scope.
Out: 11:32
